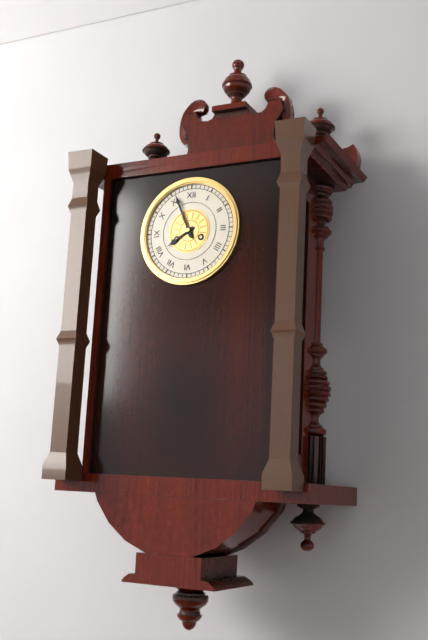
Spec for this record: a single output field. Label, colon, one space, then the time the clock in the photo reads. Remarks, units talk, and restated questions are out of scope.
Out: 7:56
